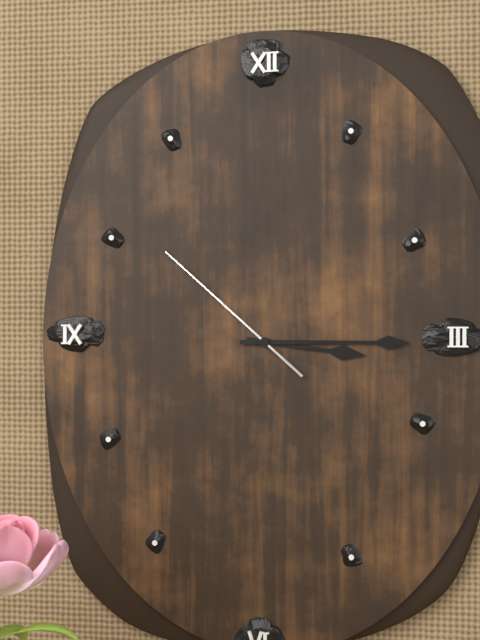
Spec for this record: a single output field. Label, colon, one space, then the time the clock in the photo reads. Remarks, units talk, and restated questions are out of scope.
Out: 3:15:52
